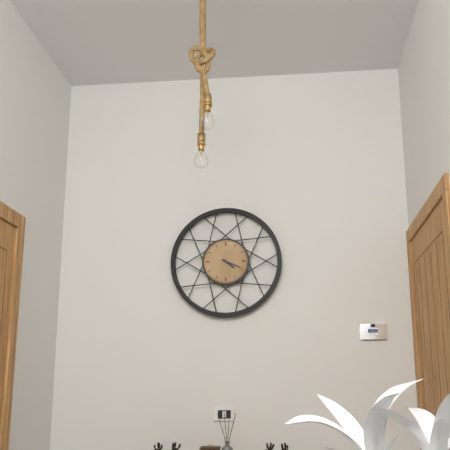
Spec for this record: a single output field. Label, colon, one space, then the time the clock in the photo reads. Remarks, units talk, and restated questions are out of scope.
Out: 4:19
